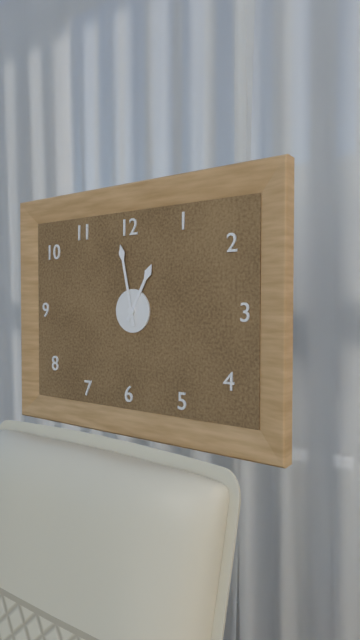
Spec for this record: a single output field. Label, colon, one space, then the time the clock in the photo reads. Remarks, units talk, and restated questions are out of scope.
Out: 12:58
